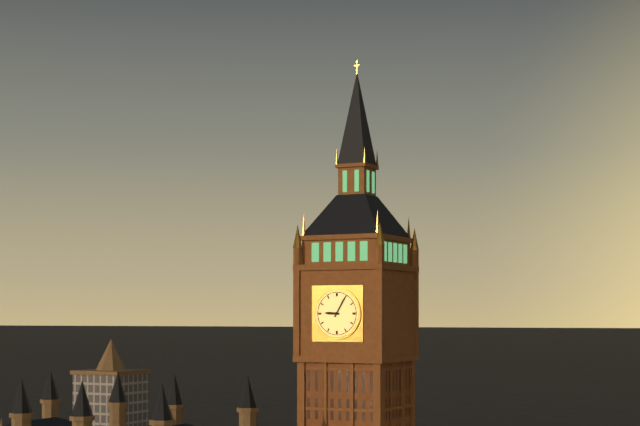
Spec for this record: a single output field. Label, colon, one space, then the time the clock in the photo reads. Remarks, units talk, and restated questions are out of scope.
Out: 9:05
